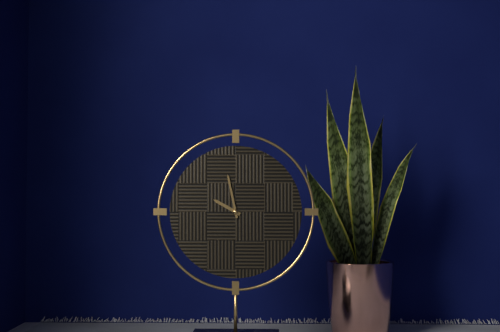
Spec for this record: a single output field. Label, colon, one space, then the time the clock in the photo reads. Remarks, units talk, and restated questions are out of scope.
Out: 9:58
